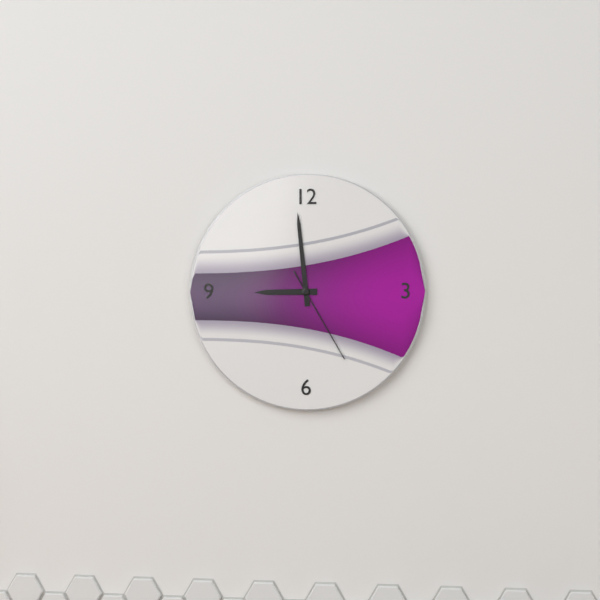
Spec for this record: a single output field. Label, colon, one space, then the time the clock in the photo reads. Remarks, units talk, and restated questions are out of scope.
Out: 8:59:25
